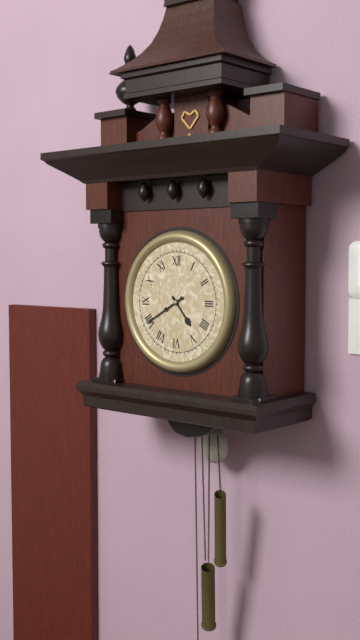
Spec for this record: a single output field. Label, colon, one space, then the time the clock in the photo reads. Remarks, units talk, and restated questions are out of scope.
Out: 4:40
